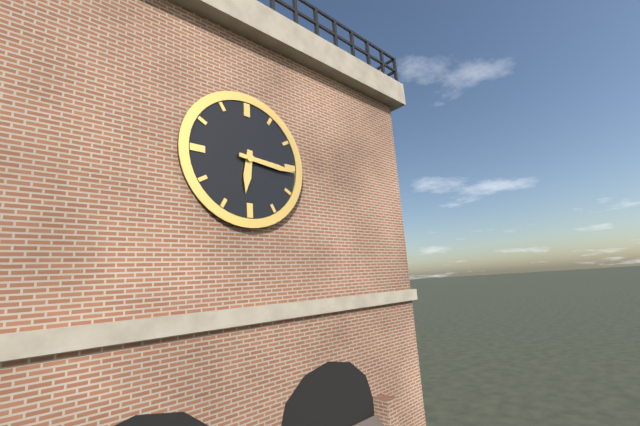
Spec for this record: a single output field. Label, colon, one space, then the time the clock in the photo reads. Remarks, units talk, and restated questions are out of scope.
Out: 6:16
